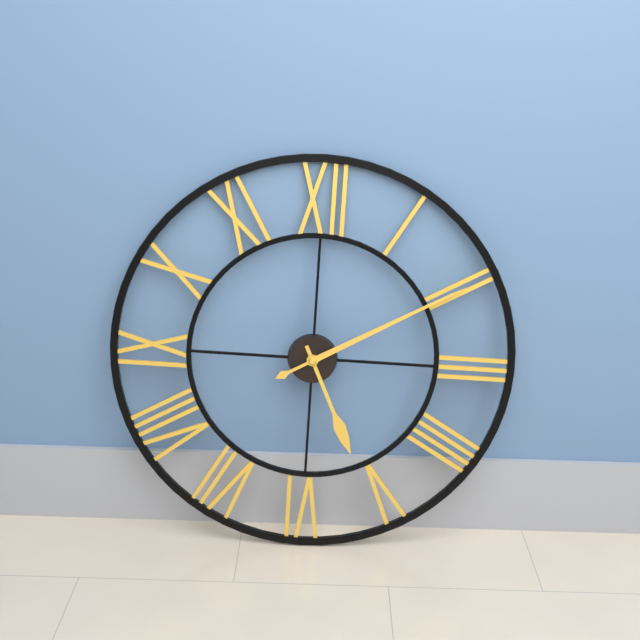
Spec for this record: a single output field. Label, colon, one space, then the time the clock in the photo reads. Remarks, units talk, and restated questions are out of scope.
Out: 5:10
